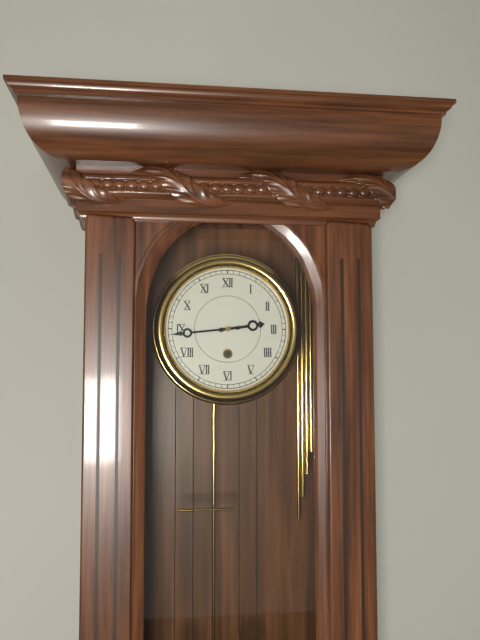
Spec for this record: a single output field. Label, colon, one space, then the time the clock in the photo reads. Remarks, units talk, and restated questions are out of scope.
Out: 2:44
